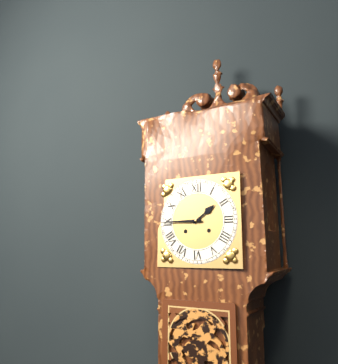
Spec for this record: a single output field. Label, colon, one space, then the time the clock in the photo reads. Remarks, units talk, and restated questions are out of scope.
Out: 1:45
